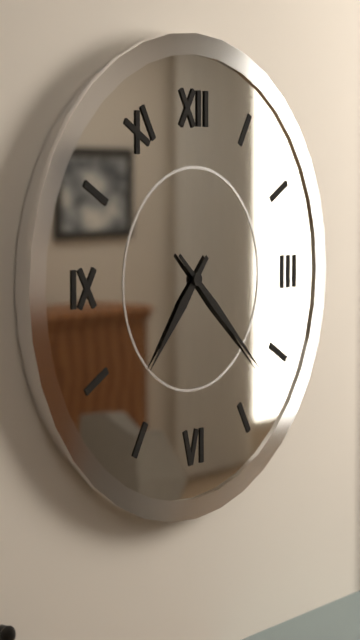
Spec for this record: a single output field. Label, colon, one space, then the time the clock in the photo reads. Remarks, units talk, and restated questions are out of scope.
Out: 7:22
